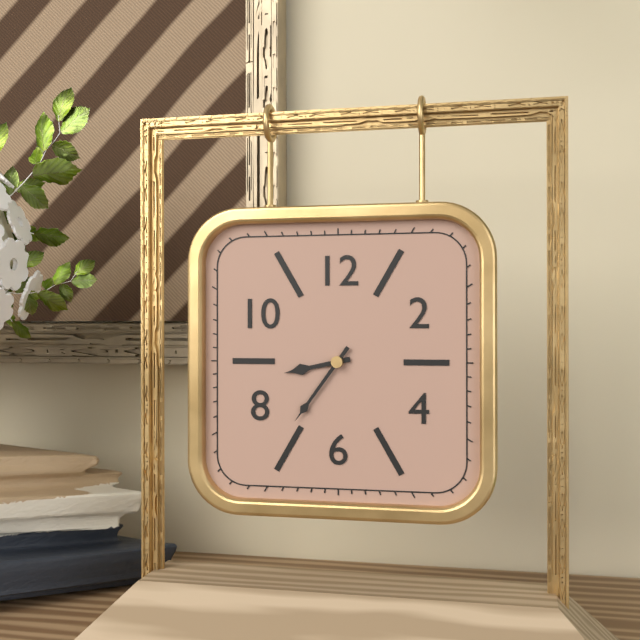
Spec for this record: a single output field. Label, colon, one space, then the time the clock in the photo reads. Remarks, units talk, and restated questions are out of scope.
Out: 8:36
